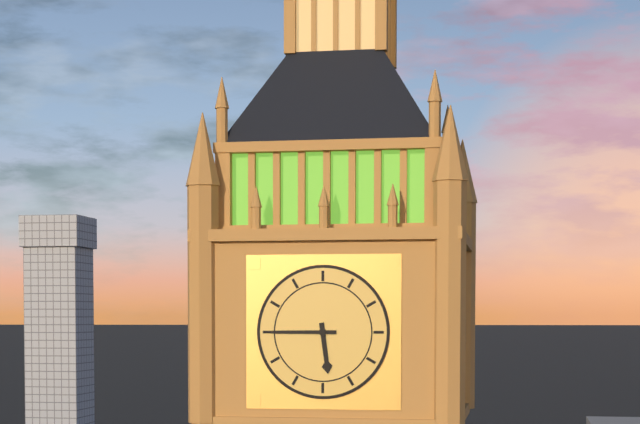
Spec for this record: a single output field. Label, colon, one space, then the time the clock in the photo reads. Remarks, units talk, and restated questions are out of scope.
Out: 5:45
